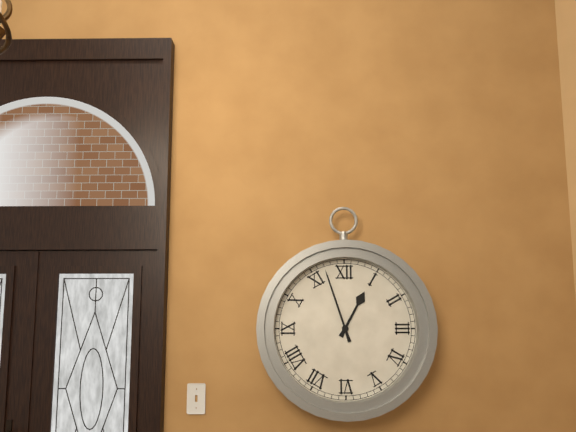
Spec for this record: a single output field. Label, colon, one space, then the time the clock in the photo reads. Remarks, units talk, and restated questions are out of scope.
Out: 12:57
